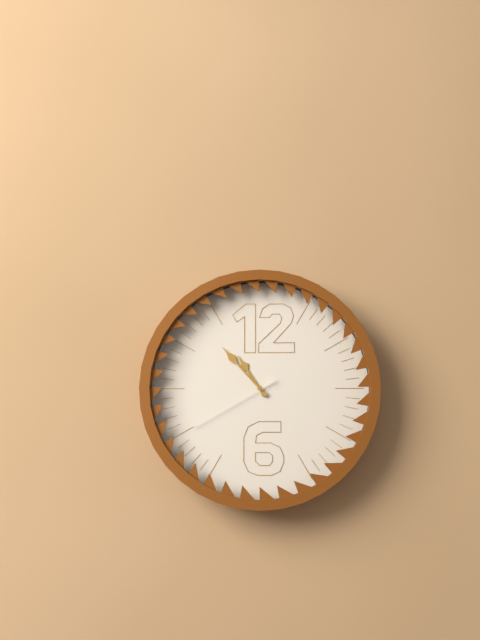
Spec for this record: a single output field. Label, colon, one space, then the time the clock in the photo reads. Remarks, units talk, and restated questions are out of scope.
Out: 10:53:40
